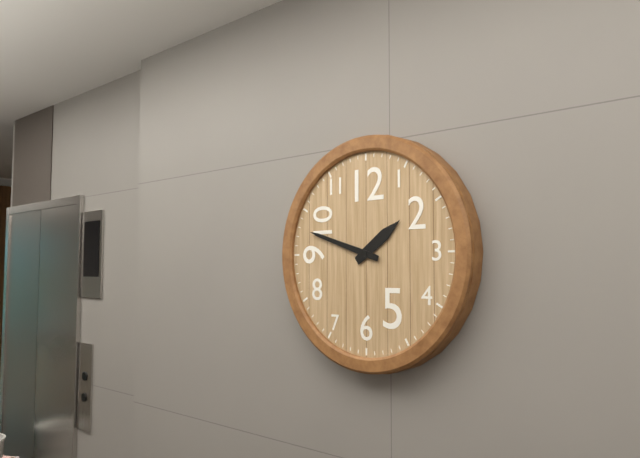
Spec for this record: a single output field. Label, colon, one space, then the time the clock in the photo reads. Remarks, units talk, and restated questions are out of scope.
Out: 1:48
